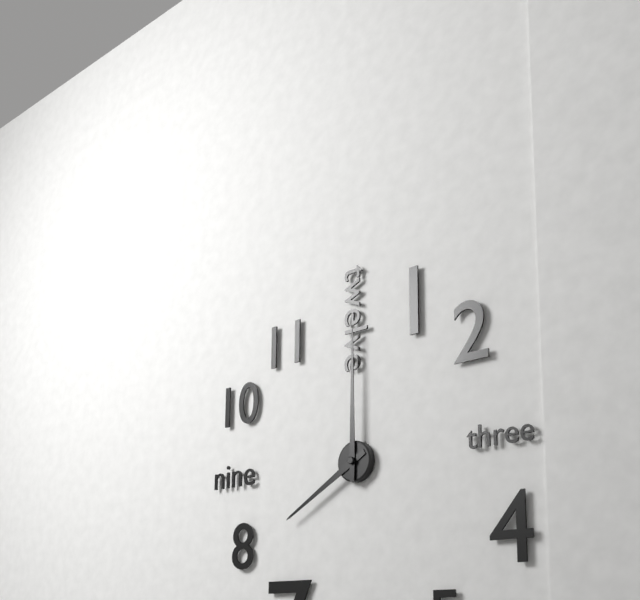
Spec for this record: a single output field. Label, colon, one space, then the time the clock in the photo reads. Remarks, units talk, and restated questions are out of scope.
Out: 8:00
